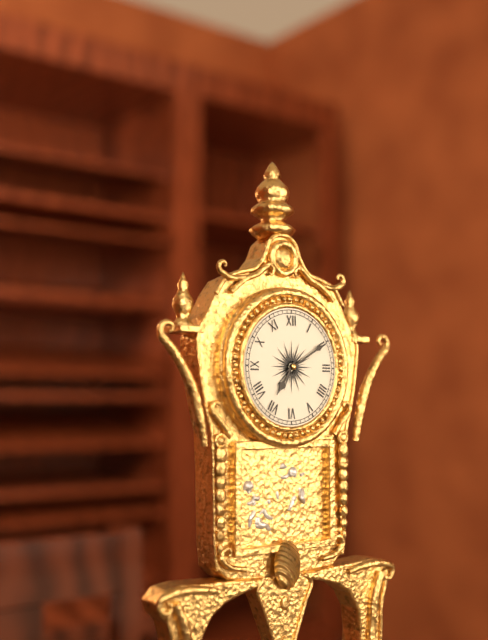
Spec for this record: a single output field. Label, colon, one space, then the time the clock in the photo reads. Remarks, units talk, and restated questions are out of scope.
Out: 7:10
